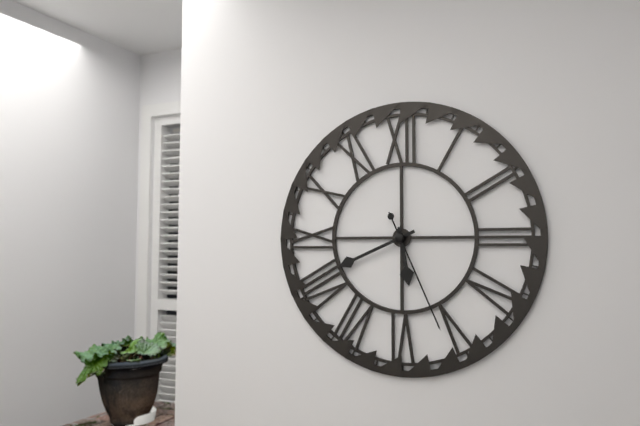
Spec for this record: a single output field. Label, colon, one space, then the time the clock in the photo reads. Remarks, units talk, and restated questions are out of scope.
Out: 5:41:26
